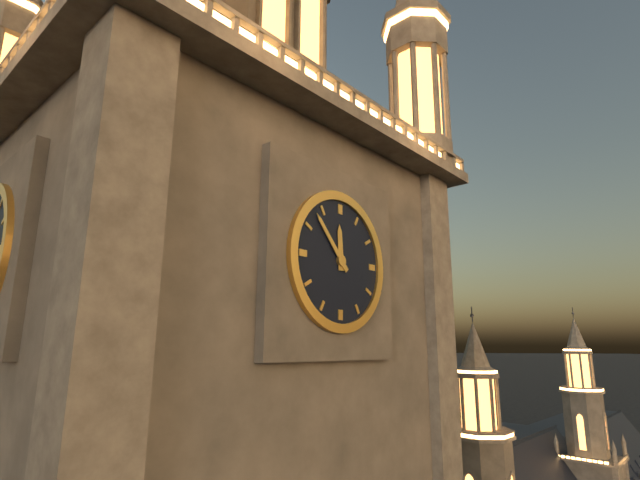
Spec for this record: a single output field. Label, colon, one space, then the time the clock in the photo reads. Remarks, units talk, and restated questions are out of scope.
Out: 11:53
